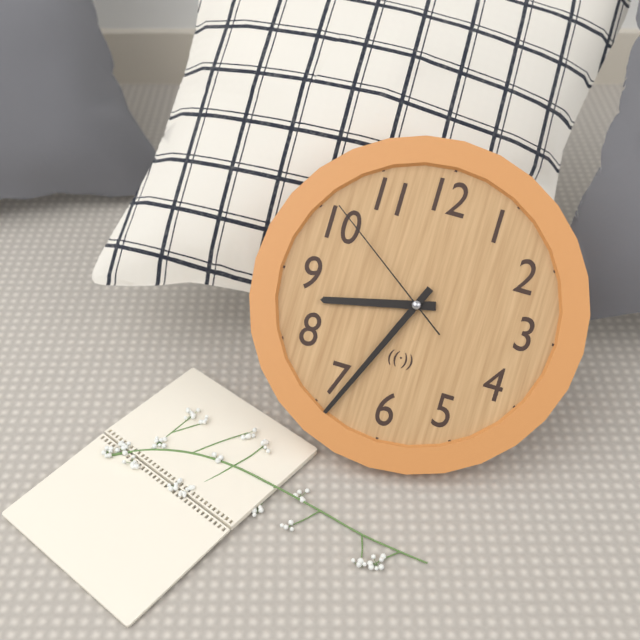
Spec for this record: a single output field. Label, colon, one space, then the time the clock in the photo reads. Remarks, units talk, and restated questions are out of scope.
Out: 8:34:51
